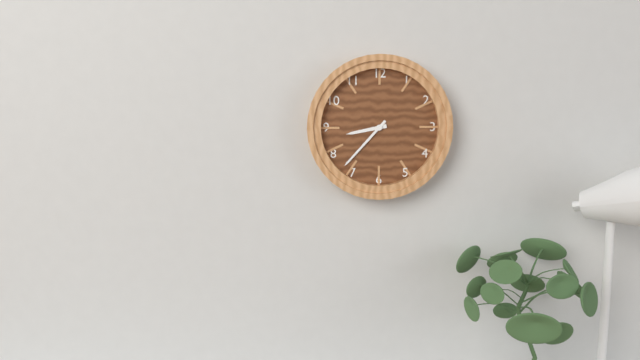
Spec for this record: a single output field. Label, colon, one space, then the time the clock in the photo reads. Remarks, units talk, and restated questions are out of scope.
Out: 8:37
